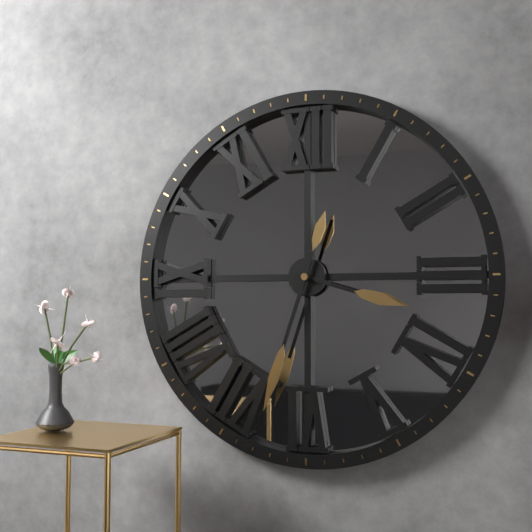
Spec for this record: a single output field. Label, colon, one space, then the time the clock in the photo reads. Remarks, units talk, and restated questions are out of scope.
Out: 3:33
